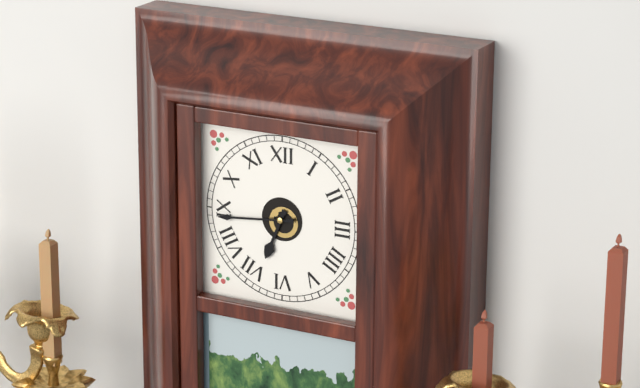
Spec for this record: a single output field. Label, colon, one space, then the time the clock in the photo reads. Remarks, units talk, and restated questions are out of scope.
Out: 6:44
